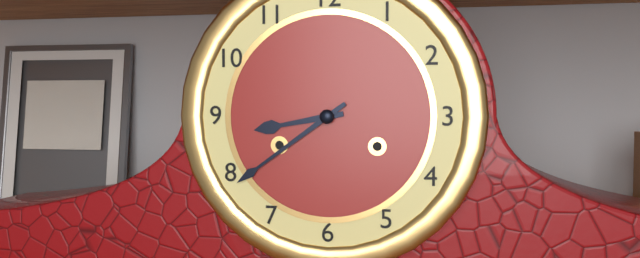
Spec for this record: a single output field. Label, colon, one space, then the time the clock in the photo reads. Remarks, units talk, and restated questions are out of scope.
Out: 8:39
